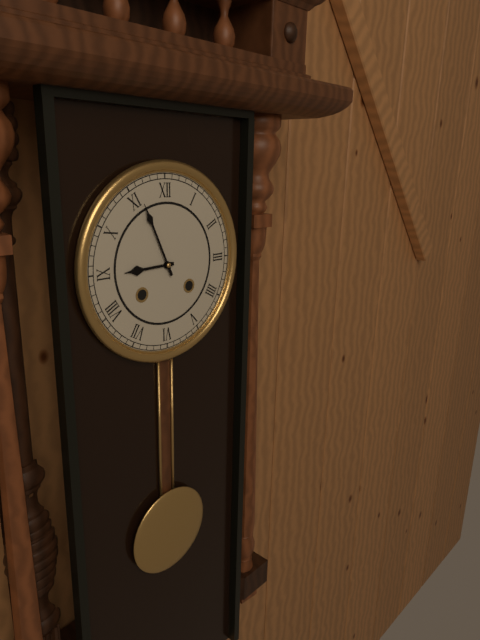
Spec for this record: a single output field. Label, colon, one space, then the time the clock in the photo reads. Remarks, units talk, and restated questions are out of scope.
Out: 8:56
